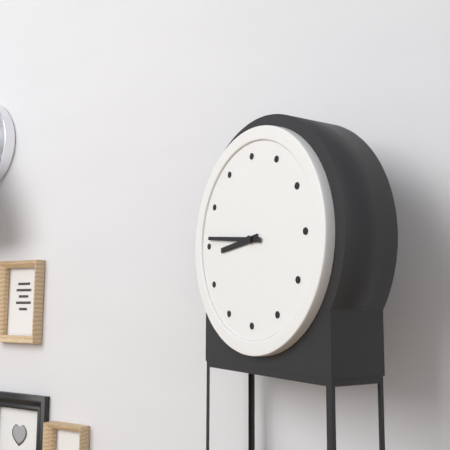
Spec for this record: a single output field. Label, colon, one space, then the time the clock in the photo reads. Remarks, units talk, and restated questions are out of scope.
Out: 8:46
